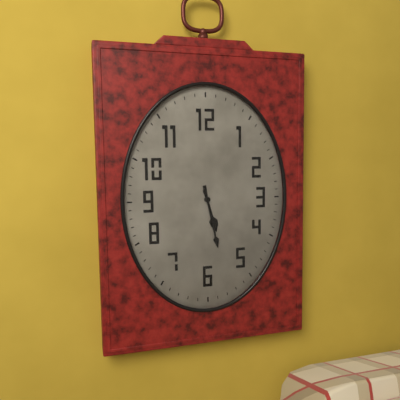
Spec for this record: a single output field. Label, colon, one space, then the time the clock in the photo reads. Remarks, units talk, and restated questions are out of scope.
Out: 5:28
